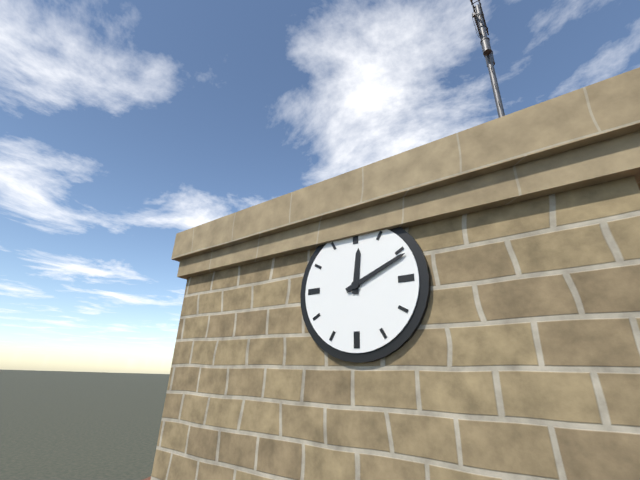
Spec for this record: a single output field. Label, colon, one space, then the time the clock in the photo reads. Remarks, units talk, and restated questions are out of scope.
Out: 12:11
